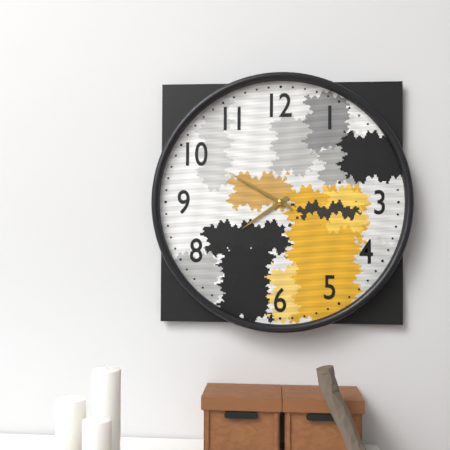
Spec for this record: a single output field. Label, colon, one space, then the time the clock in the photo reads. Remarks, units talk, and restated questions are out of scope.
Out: 7:50
